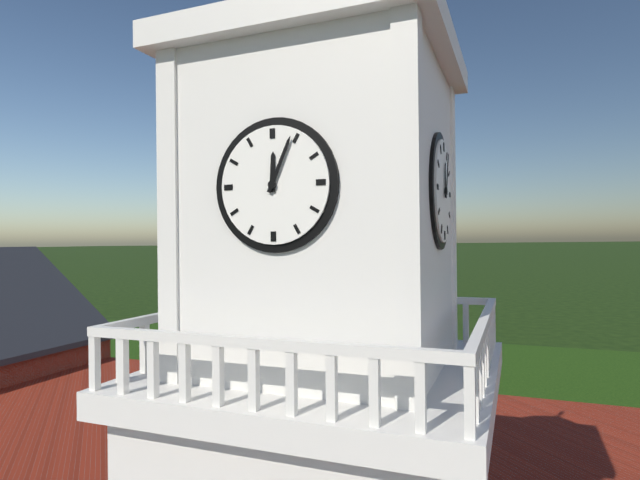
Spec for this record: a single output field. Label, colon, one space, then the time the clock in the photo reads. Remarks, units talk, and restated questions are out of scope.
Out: 12:04
